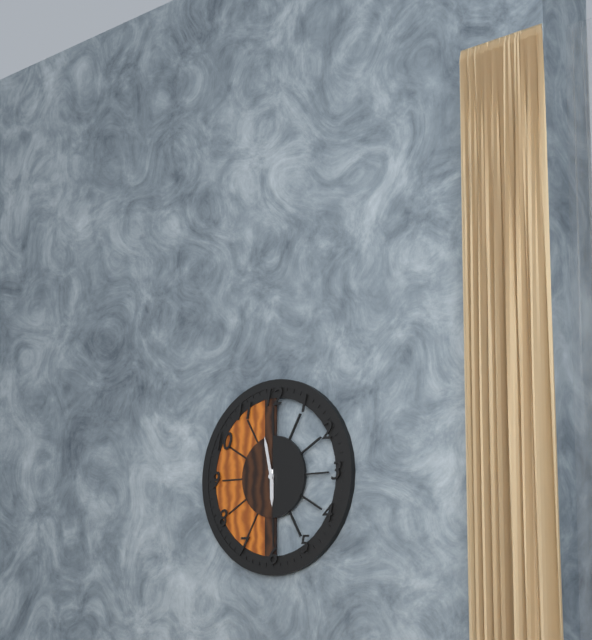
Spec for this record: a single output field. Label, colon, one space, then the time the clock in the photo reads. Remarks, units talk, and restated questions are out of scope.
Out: 5:58
